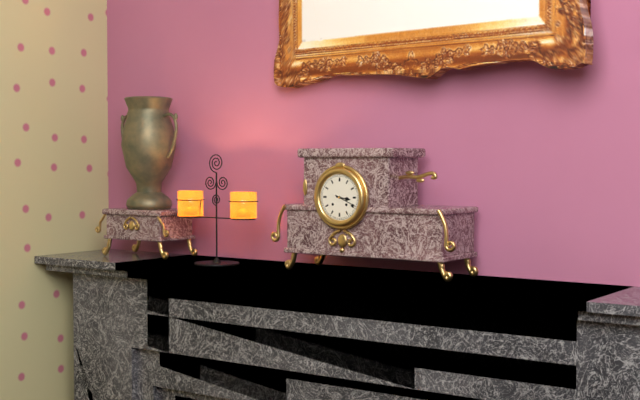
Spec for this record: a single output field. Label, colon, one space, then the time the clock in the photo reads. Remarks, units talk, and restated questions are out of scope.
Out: 3:19
